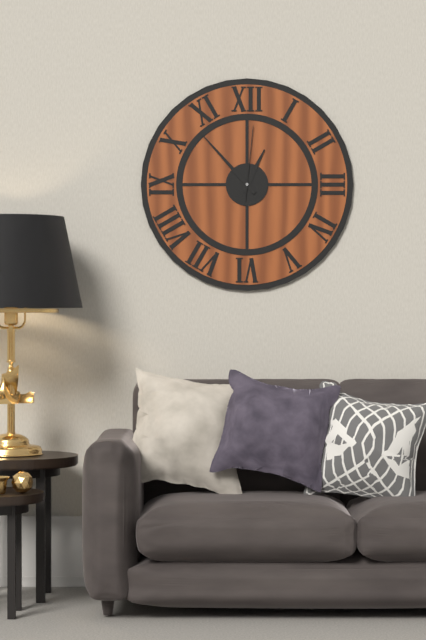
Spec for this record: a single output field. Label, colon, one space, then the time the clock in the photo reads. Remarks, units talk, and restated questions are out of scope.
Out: 12:53:01
